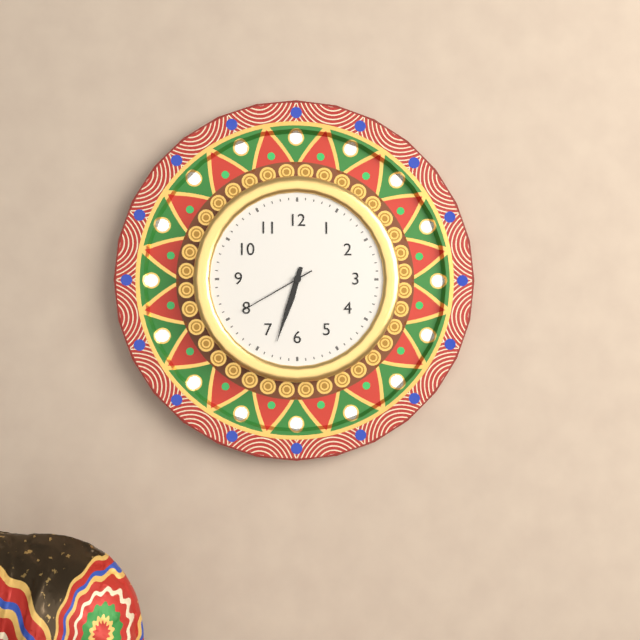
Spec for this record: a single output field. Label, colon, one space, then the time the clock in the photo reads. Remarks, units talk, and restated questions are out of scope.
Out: 6:33:40
